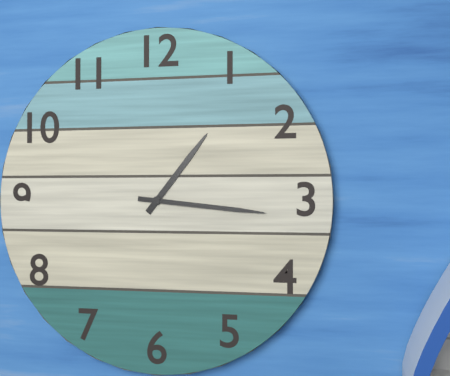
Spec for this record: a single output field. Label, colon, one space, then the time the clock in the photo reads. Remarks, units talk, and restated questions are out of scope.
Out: 1:16
